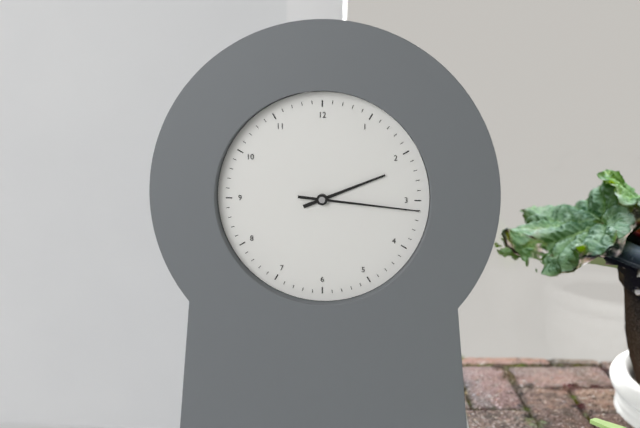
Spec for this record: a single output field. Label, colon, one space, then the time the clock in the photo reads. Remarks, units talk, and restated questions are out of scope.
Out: 2:16
